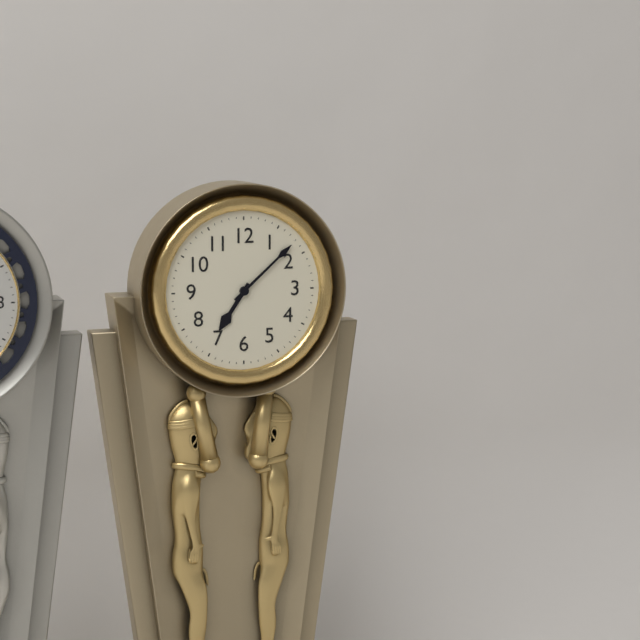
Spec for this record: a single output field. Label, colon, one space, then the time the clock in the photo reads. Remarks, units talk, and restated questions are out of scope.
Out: 7:08
